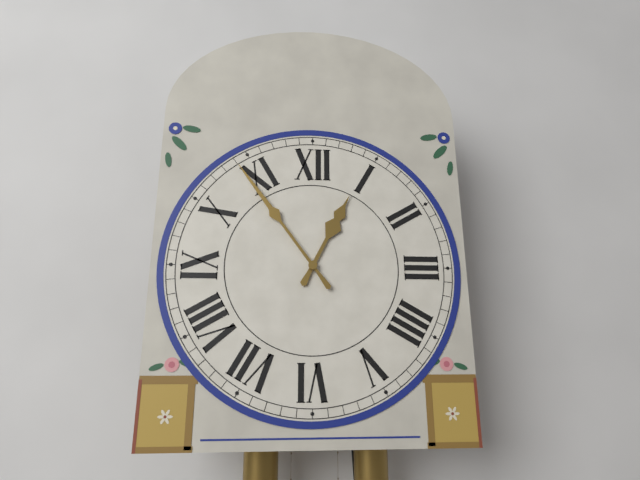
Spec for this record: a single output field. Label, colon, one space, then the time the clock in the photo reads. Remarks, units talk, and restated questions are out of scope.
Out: 12:54
